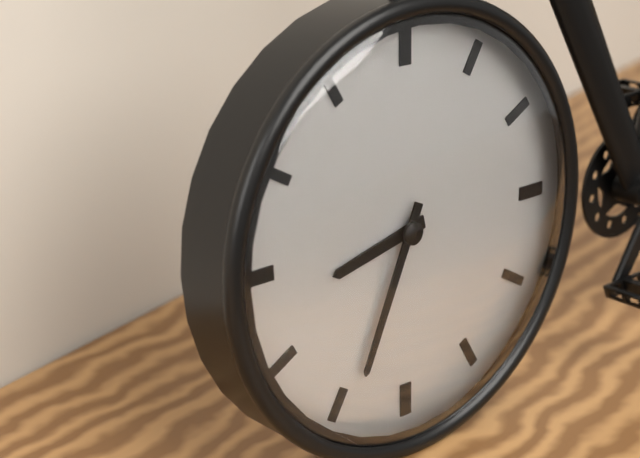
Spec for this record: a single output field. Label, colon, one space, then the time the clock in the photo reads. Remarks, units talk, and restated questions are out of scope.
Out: 8:34
